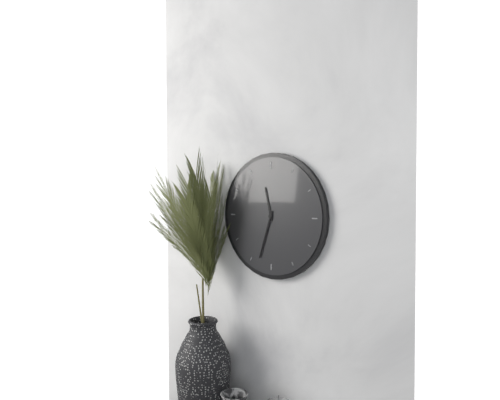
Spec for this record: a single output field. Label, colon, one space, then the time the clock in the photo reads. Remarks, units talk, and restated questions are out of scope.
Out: 11:33
